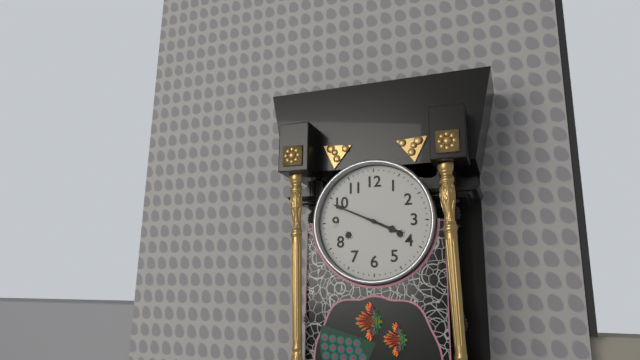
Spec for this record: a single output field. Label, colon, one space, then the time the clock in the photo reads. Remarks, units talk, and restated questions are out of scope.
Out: 3:49
